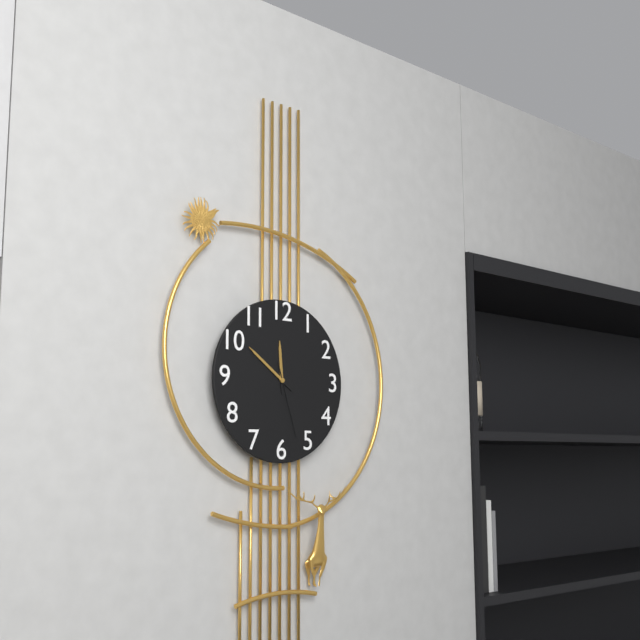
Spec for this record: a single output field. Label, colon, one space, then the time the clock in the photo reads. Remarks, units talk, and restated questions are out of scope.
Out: 11:51:27
